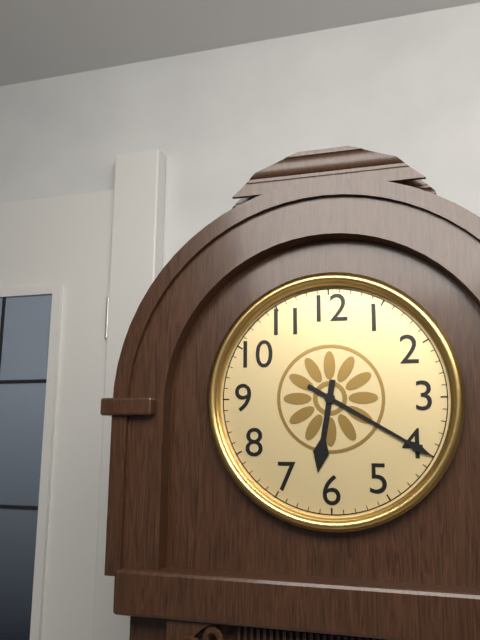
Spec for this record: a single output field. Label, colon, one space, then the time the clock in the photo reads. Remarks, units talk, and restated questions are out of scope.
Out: 6:20
